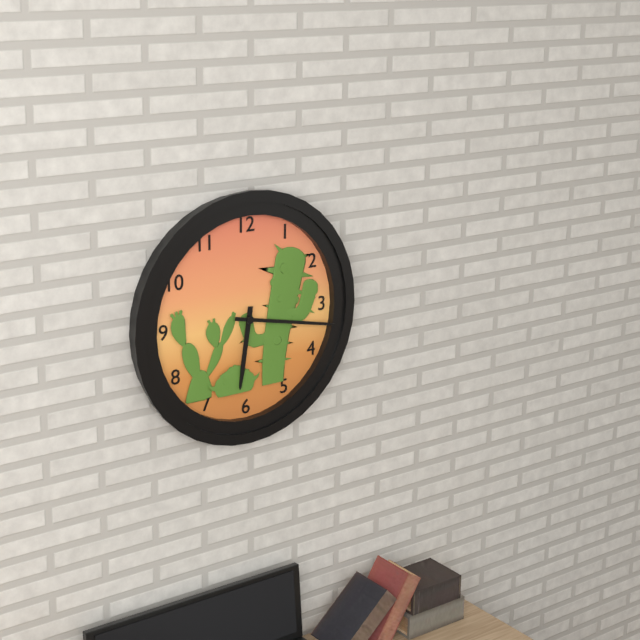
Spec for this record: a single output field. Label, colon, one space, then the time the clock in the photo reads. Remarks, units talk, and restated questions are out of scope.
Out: 6:17
